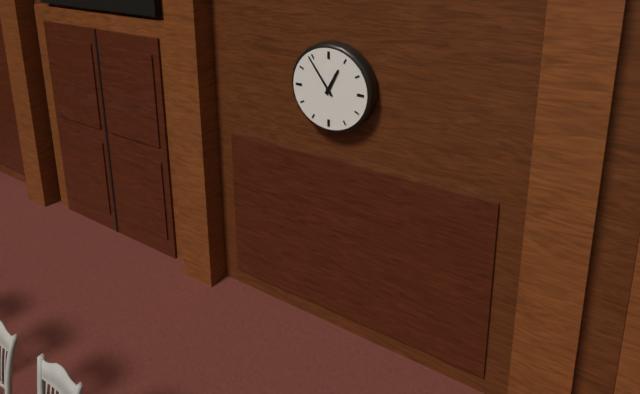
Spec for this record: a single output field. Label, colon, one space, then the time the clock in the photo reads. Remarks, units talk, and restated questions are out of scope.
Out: 12:54
